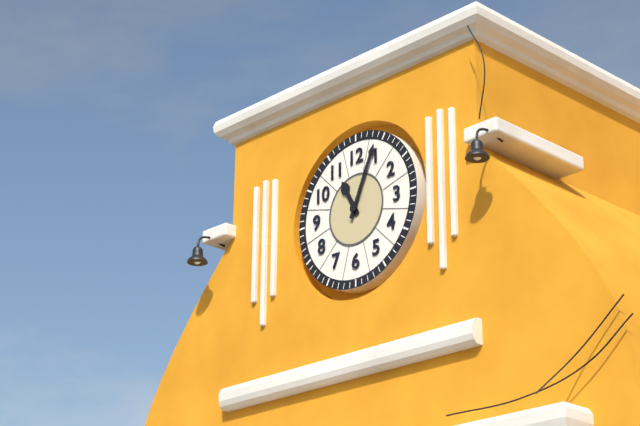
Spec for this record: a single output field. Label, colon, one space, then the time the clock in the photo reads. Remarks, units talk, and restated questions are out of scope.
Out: 11:04
